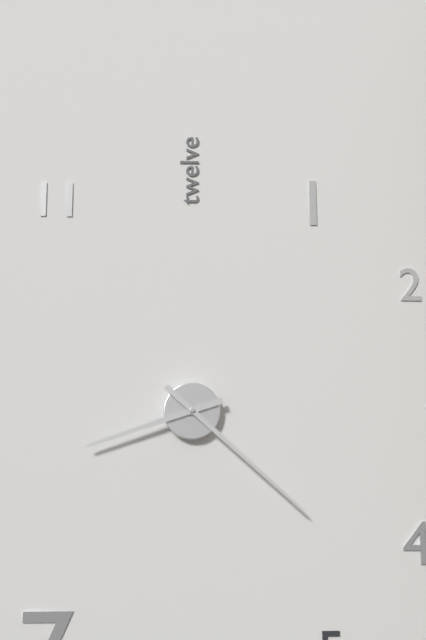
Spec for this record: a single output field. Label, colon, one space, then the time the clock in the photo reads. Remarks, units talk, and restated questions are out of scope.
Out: 8:22
